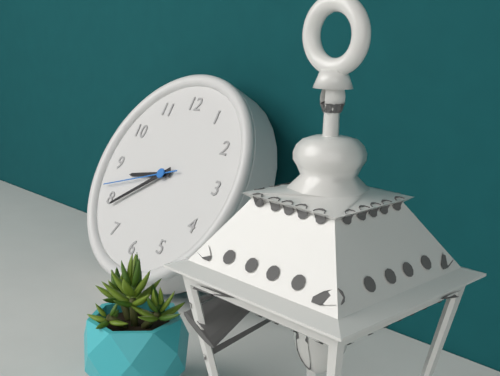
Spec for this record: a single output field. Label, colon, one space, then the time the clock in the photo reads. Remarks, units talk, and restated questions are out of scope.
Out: 8:39:42
